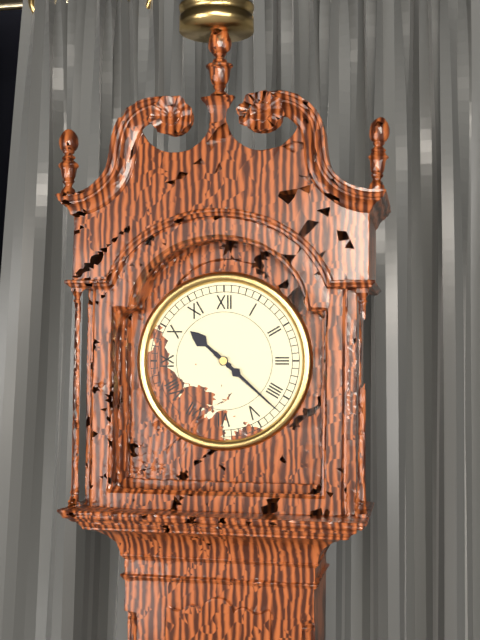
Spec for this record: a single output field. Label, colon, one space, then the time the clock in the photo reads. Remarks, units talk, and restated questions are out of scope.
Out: 10:22
